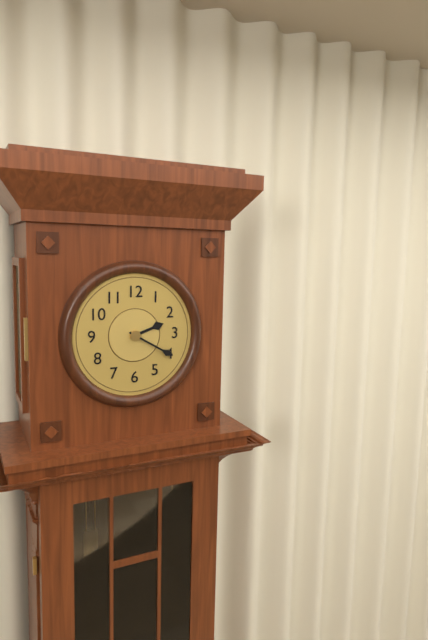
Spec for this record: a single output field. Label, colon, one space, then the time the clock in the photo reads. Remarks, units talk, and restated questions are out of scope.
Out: 2:20
